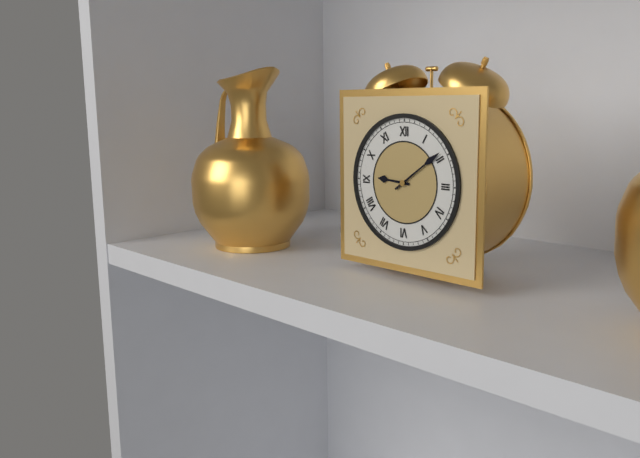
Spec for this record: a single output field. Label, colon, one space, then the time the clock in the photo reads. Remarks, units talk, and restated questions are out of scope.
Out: 9:09
